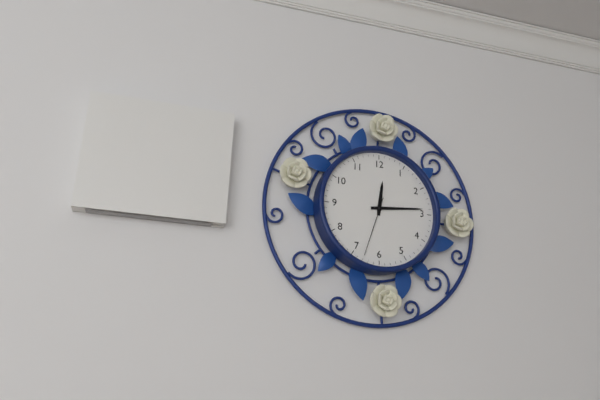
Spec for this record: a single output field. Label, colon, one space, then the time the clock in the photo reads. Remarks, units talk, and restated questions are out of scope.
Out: 12:14:33
